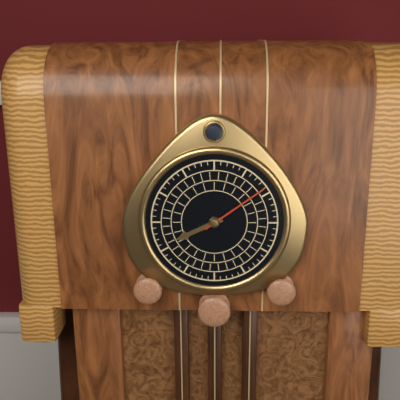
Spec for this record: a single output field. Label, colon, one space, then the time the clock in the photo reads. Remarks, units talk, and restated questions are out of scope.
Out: 8:09
